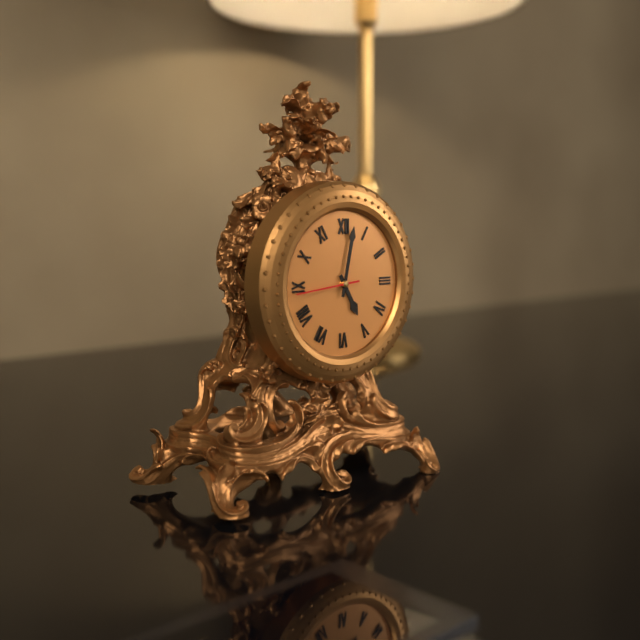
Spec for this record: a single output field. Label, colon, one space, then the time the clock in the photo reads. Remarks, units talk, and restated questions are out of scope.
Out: 5:02:44
